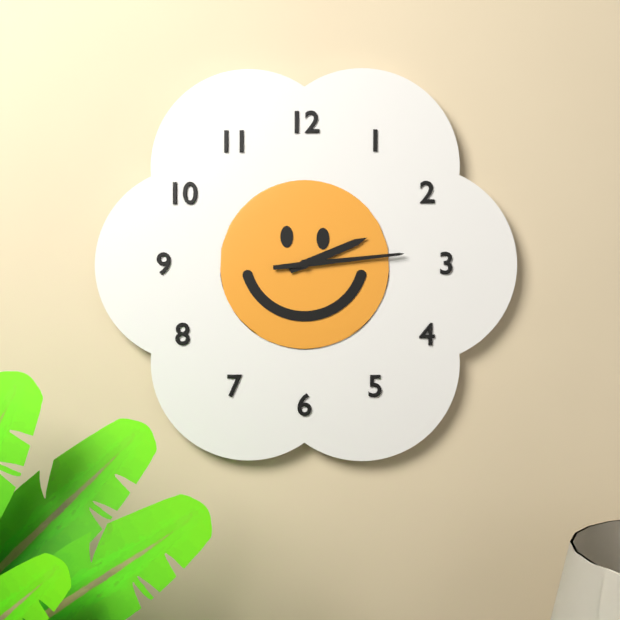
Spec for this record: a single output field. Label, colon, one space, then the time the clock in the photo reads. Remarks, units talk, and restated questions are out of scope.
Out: 2:14
